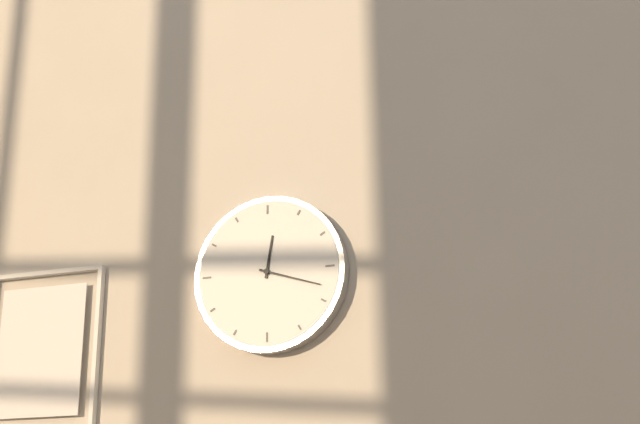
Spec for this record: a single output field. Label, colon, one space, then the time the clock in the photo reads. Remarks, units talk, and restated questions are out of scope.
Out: 12:18
